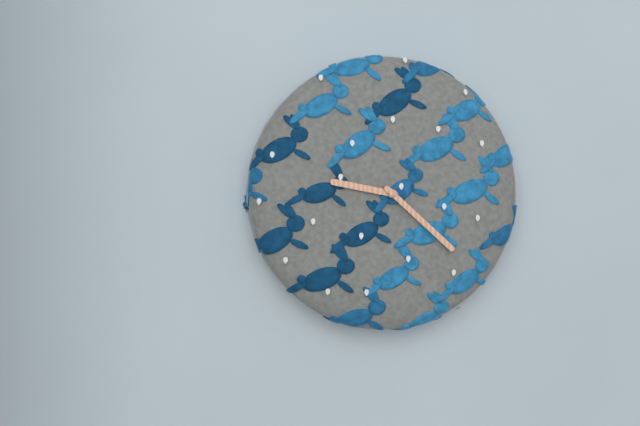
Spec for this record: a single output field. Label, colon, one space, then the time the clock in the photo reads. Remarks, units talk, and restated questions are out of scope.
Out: 9:22
